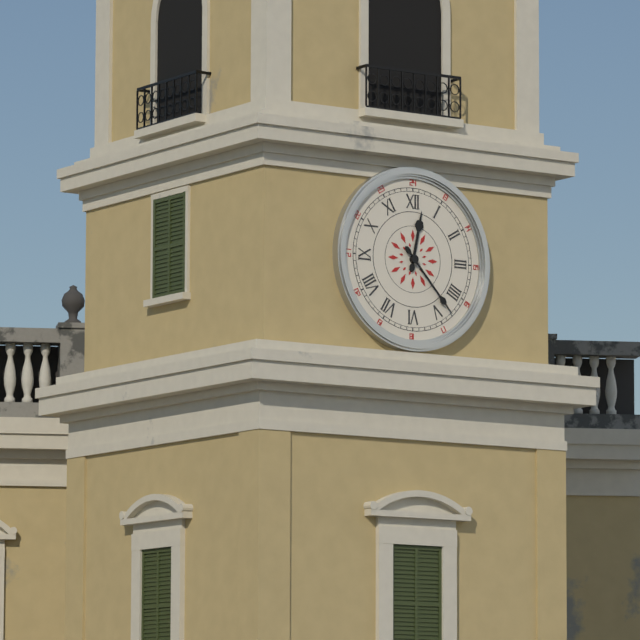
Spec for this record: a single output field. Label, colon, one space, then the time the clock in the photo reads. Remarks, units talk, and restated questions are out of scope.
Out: 12:23
